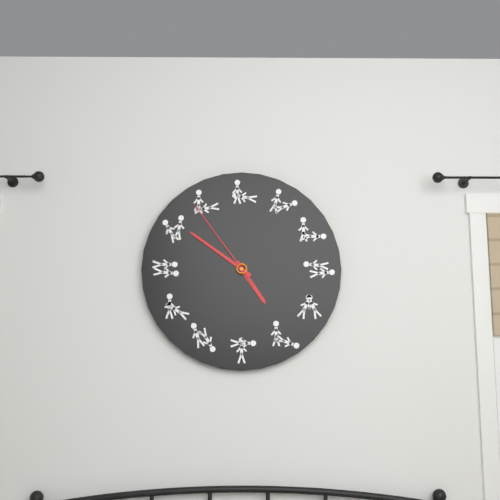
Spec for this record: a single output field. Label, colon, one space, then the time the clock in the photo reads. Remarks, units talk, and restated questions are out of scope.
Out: 4:51:54
